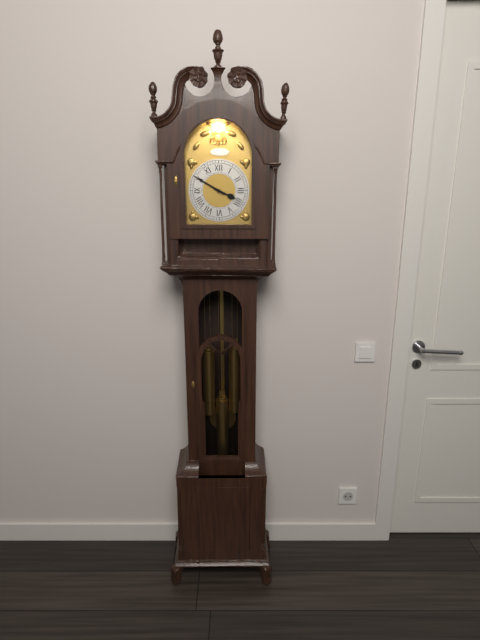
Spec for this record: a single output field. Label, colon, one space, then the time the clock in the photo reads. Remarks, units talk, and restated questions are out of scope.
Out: 3:50
